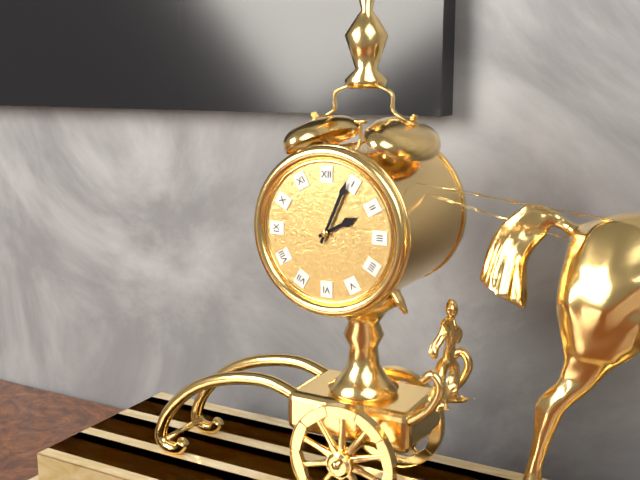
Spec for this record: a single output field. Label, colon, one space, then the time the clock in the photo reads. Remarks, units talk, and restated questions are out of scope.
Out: 2:04
